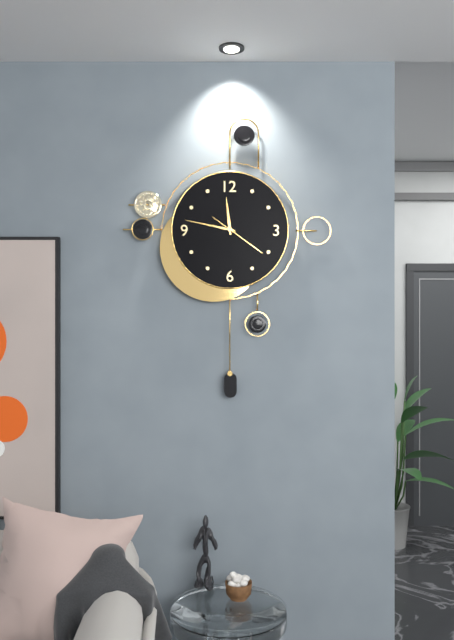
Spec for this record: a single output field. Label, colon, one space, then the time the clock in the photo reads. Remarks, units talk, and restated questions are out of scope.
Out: 11:47:21
